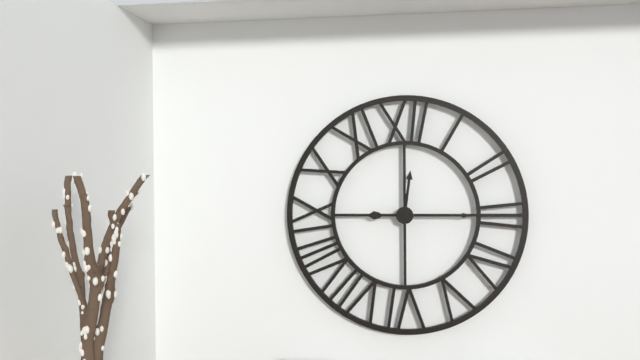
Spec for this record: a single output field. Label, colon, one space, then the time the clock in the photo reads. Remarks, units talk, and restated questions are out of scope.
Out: 12:15
